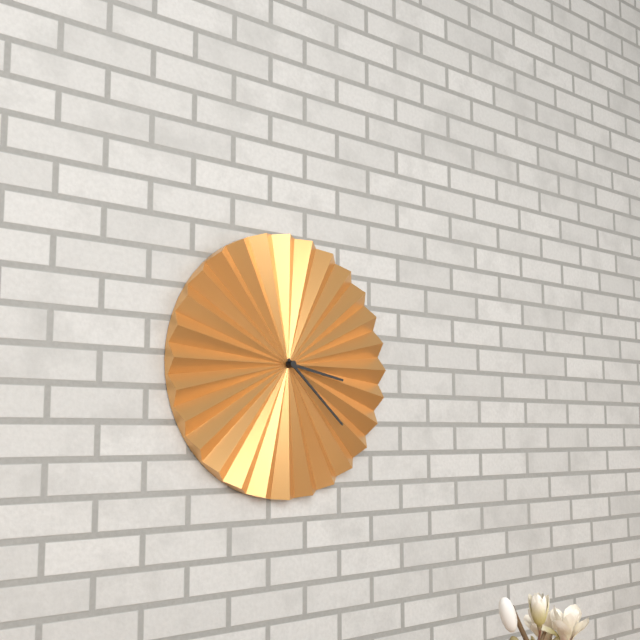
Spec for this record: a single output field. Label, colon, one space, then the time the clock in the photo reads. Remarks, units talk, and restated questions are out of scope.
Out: 3:22
